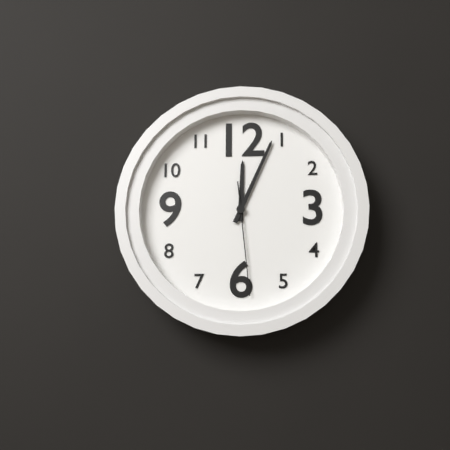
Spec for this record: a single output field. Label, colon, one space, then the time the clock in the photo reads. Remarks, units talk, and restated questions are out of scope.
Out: 12:04:29
